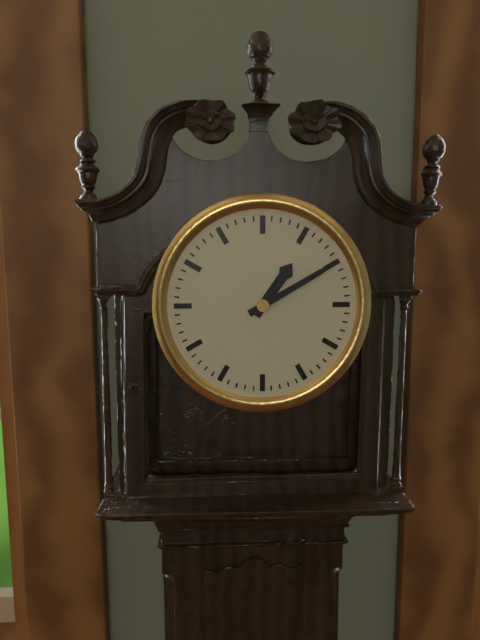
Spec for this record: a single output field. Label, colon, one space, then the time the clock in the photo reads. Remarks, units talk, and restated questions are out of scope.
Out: 1:10
